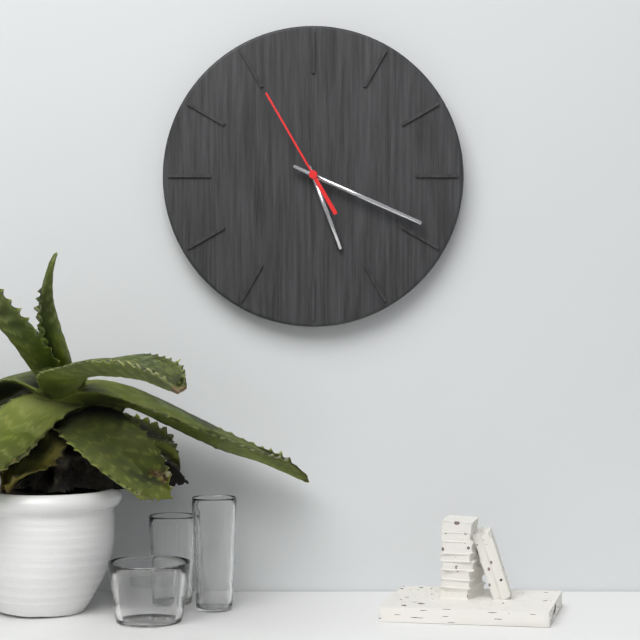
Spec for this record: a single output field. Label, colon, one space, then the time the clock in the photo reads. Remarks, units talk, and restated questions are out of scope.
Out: 5:19:55
